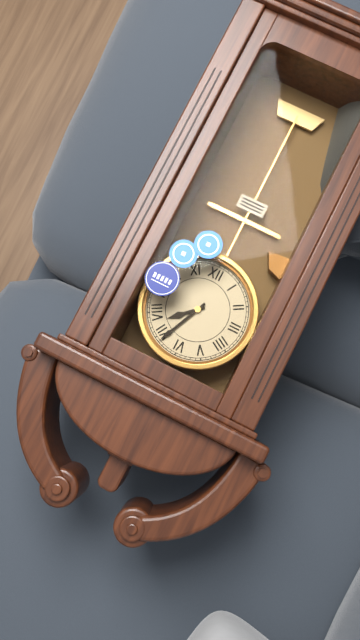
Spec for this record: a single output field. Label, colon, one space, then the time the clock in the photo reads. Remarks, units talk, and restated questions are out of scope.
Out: 7:34
